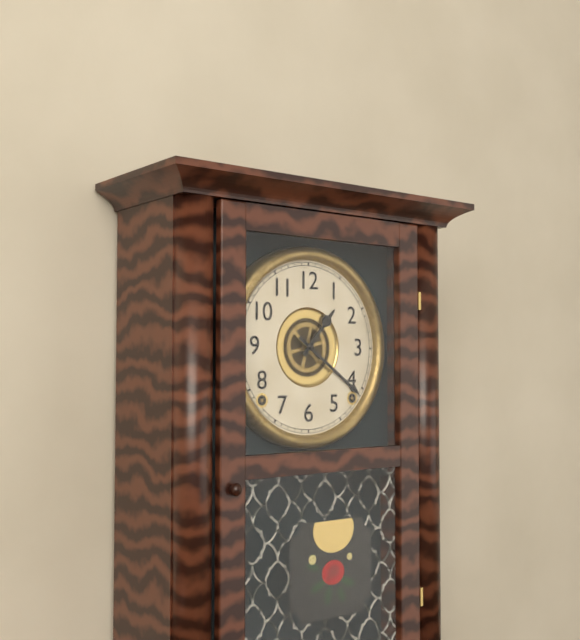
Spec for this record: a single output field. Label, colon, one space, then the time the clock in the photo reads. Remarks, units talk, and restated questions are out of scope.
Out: 1:21
